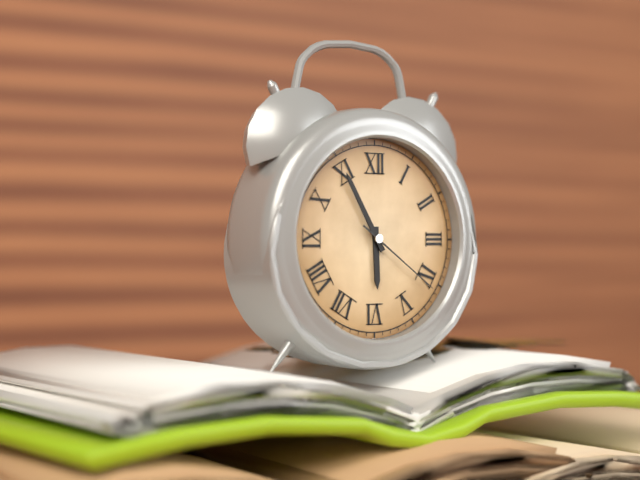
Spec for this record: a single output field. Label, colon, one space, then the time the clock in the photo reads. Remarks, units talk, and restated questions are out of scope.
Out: 5:55:21
